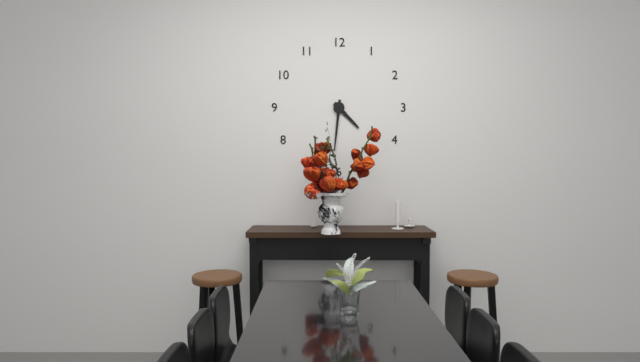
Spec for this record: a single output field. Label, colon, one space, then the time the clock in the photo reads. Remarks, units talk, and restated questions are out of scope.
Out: 4:31
